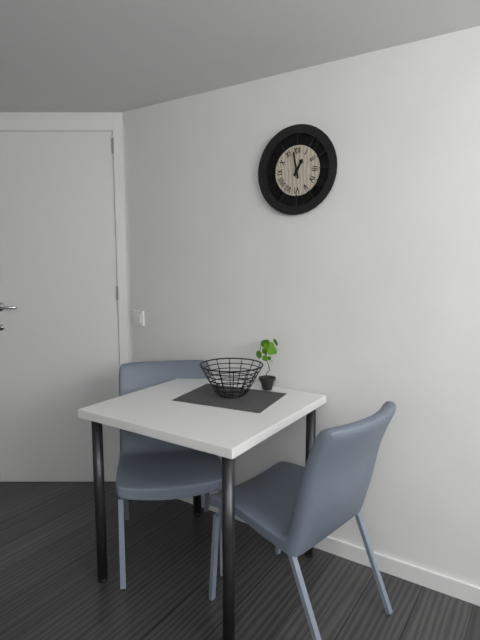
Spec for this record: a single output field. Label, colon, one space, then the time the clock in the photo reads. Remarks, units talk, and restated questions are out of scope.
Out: 12:58
